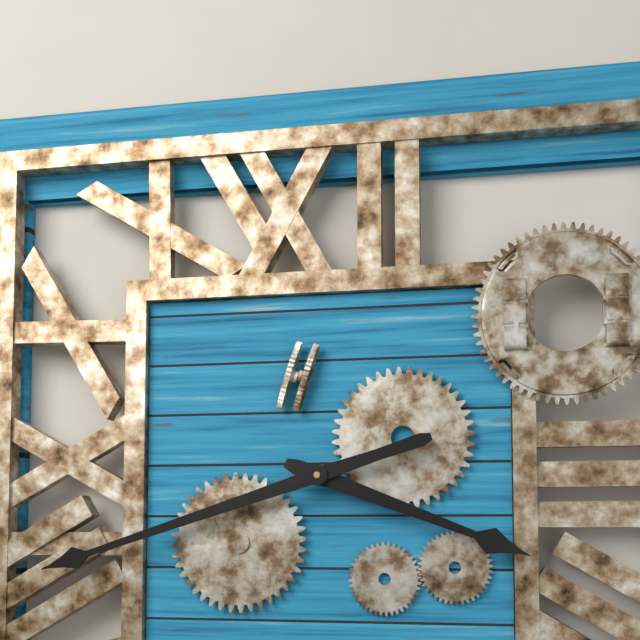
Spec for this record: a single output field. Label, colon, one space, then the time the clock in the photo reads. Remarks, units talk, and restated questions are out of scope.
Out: 3:42
